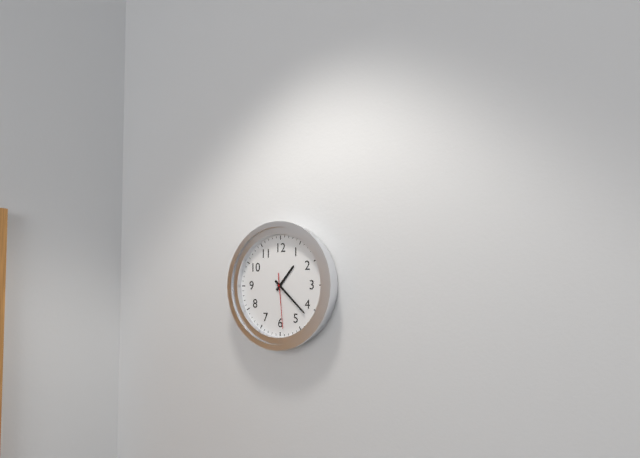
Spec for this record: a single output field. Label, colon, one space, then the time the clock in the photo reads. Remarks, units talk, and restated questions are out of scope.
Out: 1:22:29
